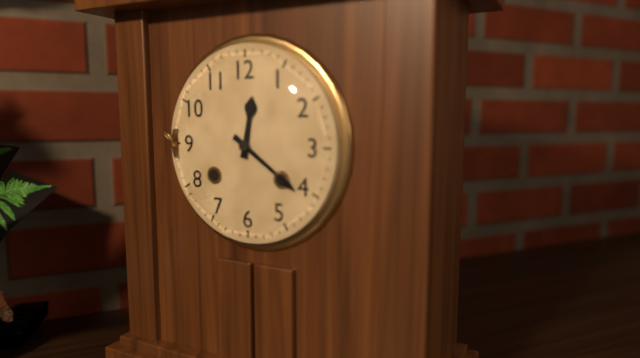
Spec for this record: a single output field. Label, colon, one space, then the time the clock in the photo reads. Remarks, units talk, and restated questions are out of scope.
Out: 12:21
